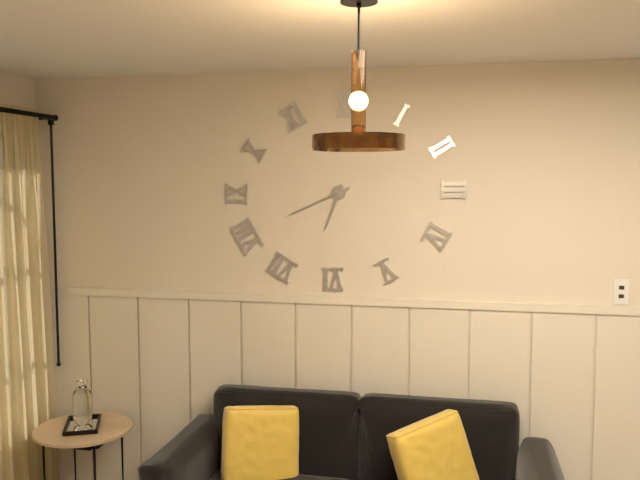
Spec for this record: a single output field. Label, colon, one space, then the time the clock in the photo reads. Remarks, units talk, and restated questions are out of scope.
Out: 6:41
